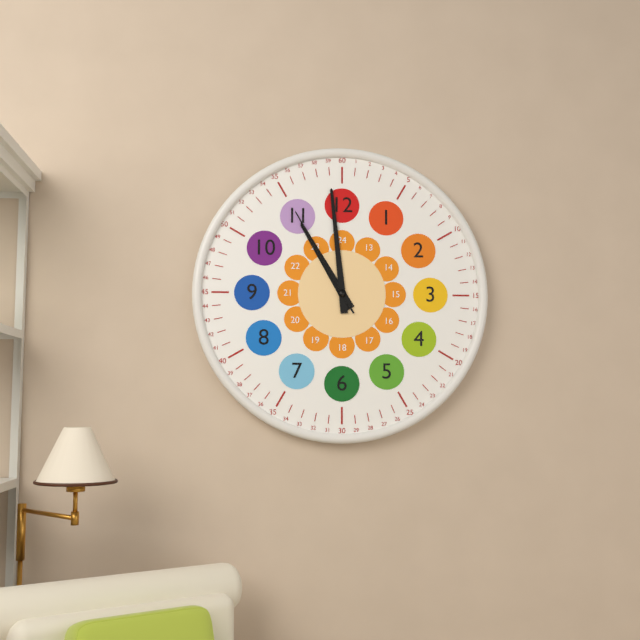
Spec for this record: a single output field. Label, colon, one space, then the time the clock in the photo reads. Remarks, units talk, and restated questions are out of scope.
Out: 10:59:55
